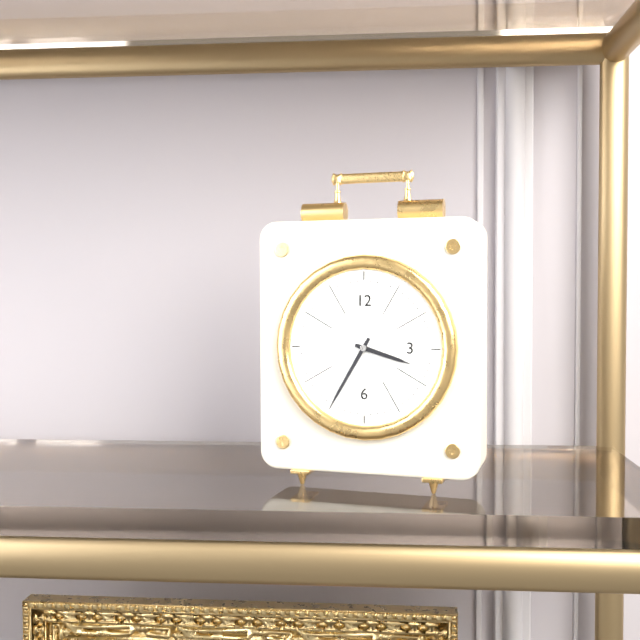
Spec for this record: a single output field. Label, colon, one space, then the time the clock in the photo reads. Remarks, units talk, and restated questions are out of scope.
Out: 3:35
